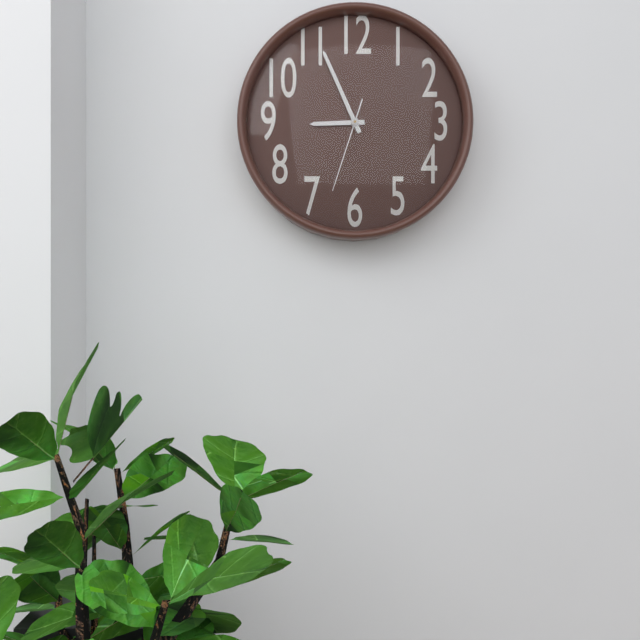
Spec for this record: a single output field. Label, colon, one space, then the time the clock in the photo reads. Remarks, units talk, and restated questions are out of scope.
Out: 8:56:33
